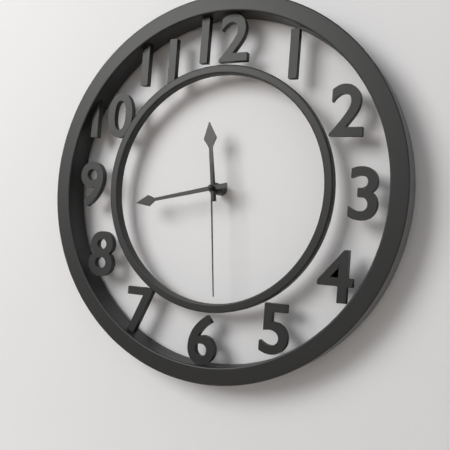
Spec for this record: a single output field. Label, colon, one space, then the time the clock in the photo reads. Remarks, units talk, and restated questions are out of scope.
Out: 11:43:29
